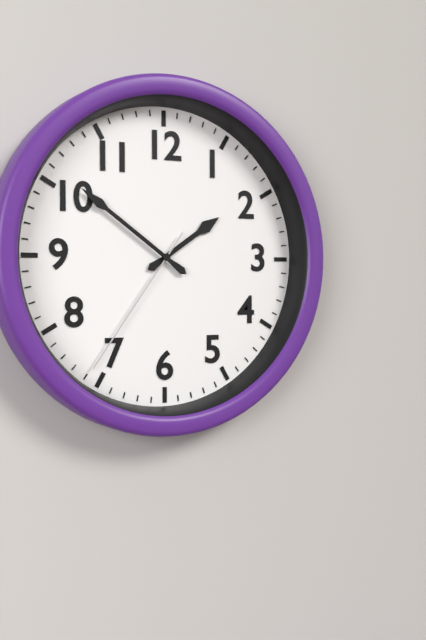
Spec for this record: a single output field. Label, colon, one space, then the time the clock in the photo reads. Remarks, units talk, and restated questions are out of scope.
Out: 1:51:36
